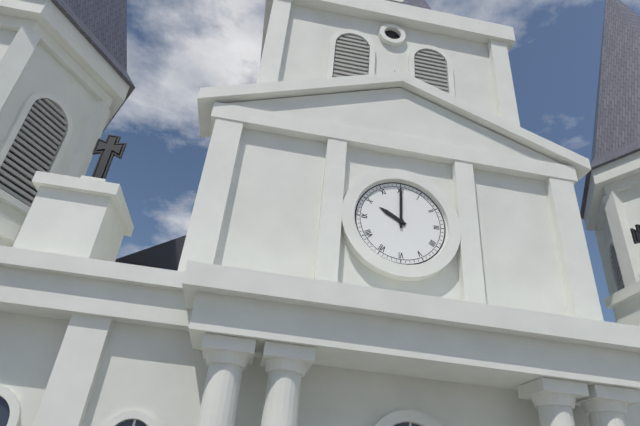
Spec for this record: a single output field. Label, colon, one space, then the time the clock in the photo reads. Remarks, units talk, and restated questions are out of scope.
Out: 10:00
